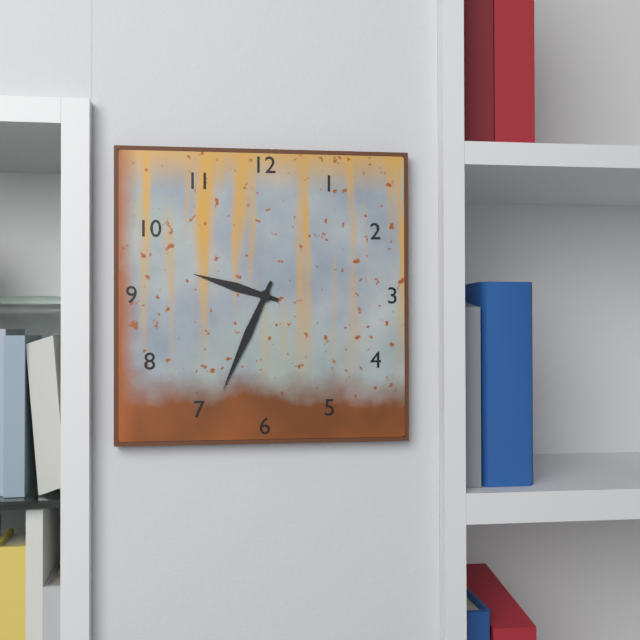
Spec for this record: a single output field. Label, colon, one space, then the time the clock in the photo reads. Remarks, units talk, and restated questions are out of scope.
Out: 9:34
